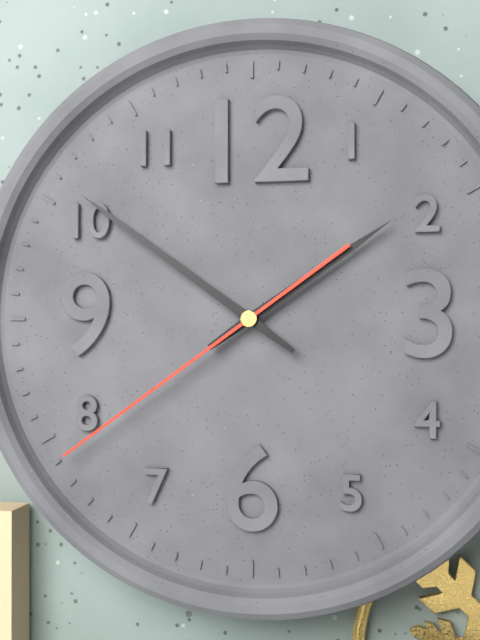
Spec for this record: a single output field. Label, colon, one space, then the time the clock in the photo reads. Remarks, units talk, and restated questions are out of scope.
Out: 1:51:39
